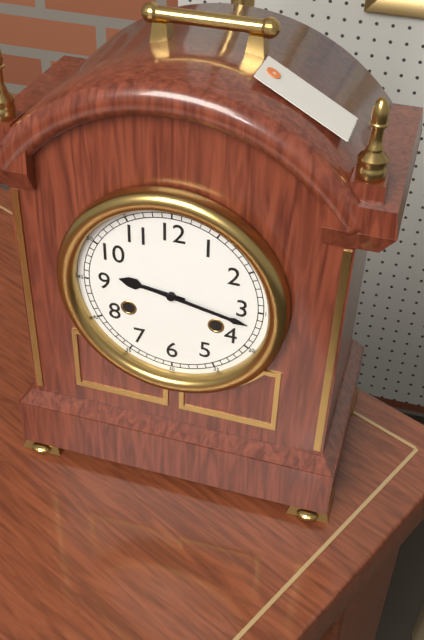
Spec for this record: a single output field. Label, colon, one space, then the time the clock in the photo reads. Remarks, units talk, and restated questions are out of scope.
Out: 9:17
